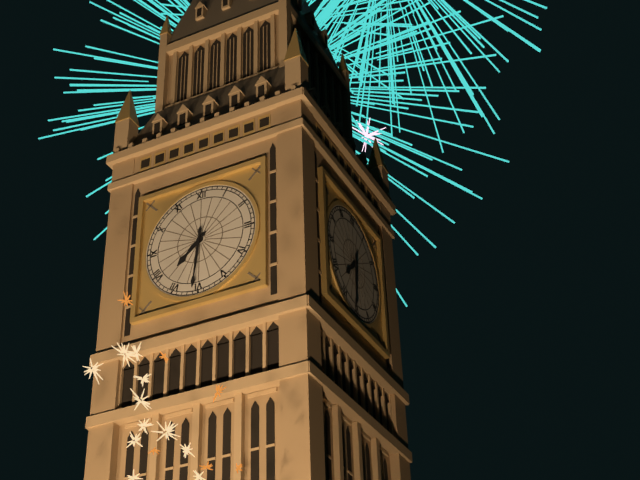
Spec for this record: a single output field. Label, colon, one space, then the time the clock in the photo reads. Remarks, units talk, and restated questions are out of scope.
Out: 7:31
